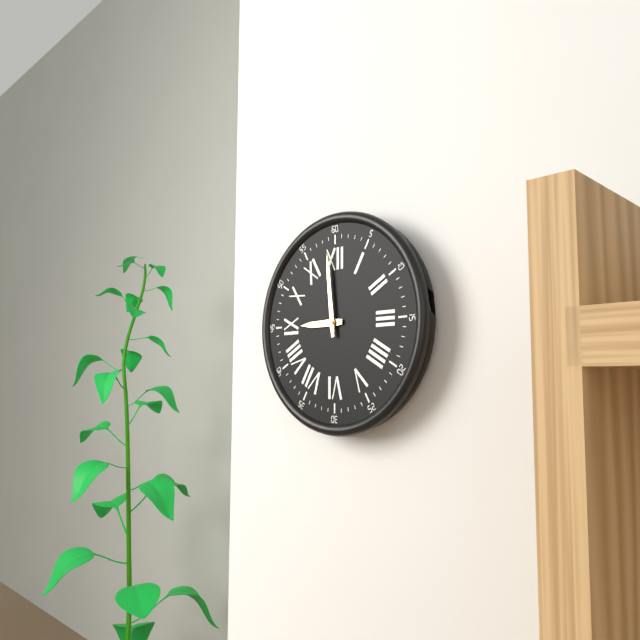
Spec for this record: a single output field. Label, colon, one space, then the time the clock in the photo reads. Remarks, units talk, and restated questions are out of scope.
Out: 8:59
